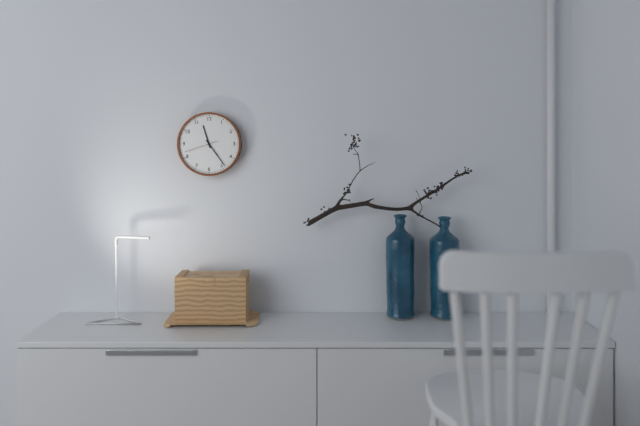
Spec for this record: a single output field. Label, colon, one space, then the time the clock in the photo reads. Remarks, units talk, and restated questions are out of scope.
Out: 11:24
